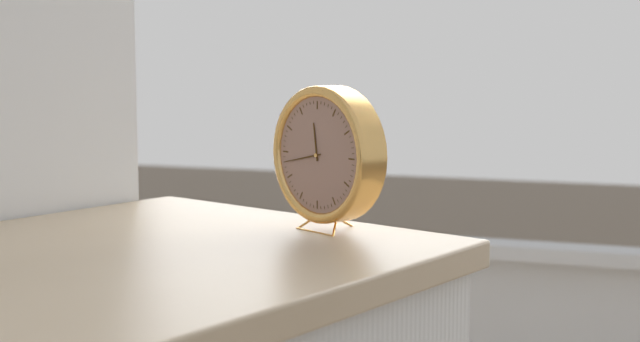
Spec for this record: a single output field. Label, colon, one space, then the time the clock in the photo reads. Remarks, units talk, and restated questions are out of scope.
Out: 11:43
